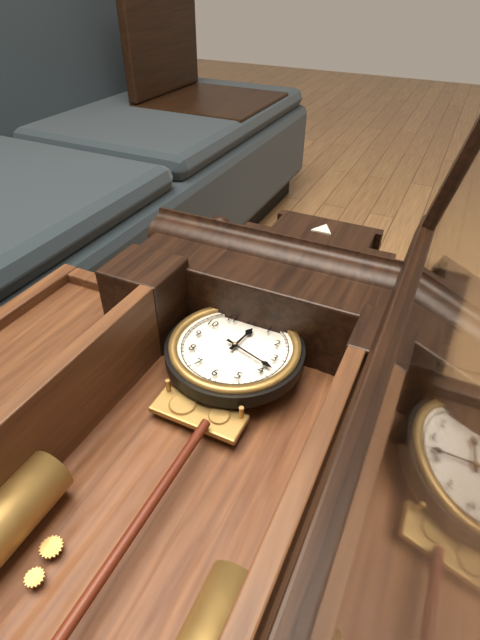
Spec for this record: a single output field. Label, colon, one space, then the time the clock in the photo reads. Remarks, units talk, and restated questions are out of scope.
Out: 12:18
